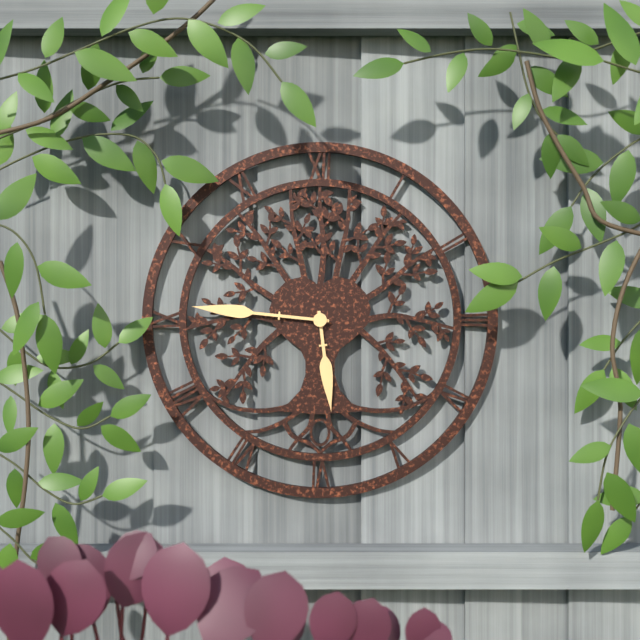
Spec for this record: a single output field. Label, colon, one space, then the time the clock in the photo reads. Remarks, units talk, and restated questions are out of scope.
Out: 5:46
